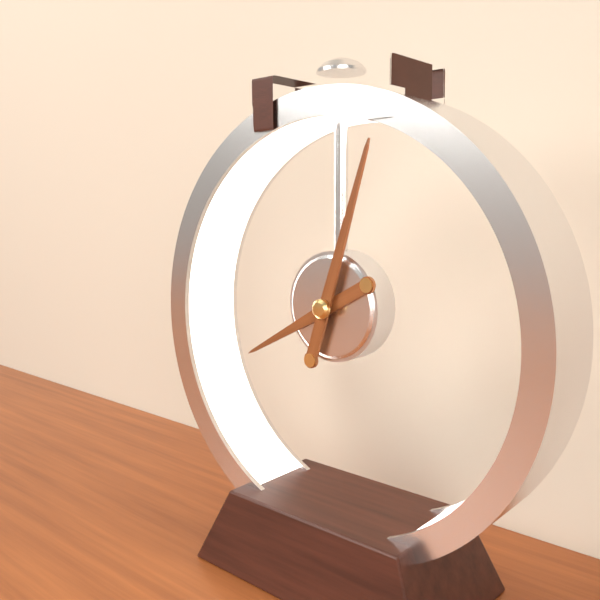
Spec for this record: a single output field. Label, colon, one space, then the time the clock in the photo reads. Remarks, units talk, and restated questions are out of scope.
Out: 8:03
